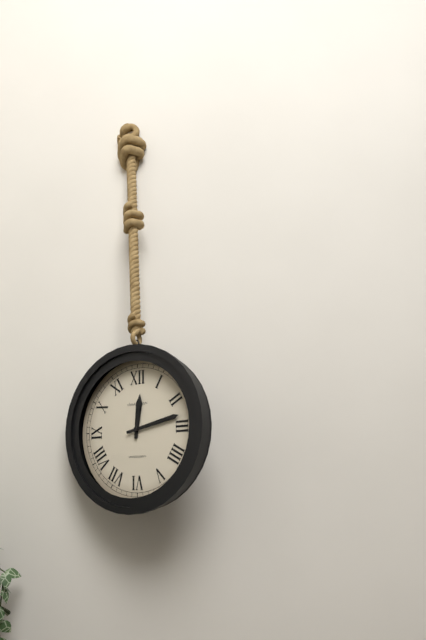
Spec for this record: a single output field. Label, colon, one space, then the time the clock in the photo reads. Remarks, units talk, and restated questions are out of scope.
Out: 12:13
